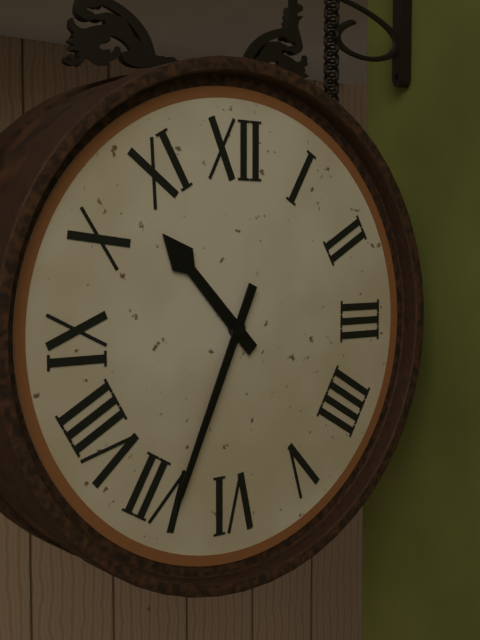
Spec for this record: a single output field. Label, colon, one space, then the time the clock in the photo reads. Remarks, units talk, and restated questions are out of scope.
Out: 10:34
